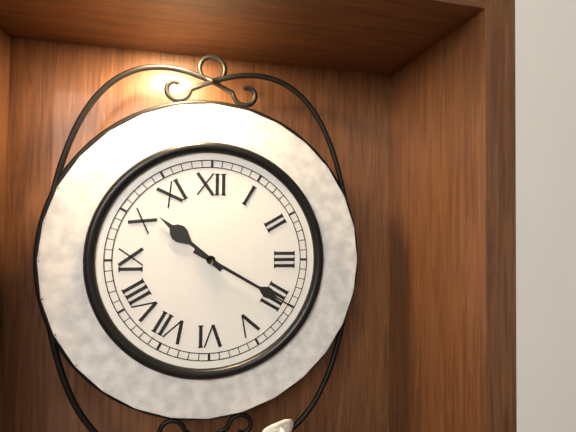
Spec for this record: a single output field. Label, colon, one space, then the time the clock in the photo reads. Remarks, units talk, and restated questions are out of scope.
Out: 10:20
